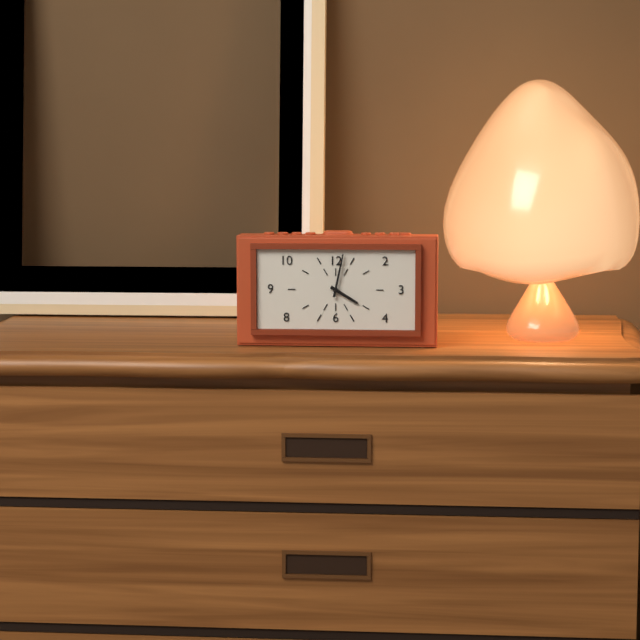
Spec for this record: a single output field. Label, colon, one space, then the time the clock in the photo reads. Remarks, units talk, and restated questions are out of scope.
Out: 4:02
